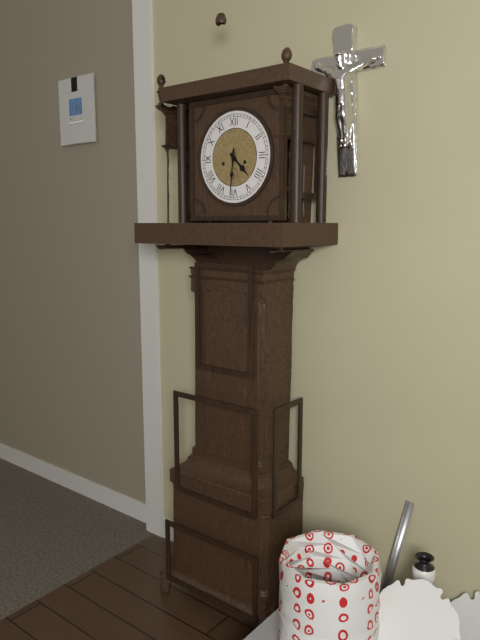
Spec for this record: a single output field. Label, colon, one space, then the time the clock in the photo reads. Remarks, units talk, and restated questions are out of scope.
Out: 4:31
